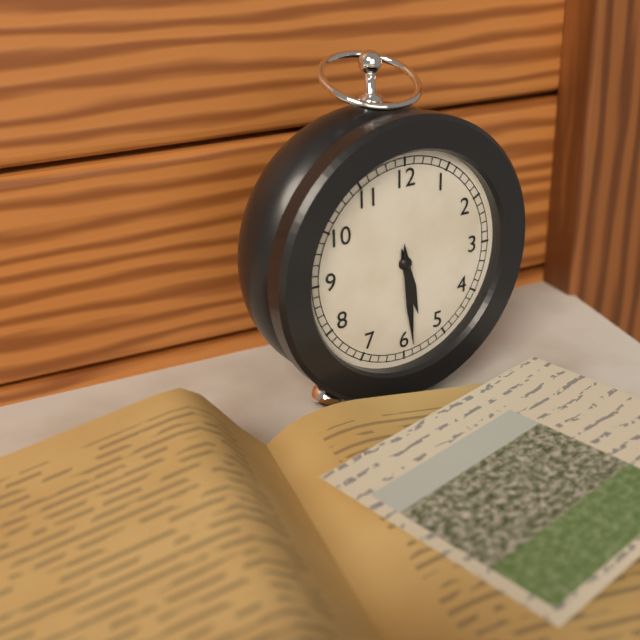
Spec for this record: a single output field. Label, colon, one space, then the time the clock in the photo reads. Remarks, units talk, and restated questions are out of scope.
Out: 5:29
